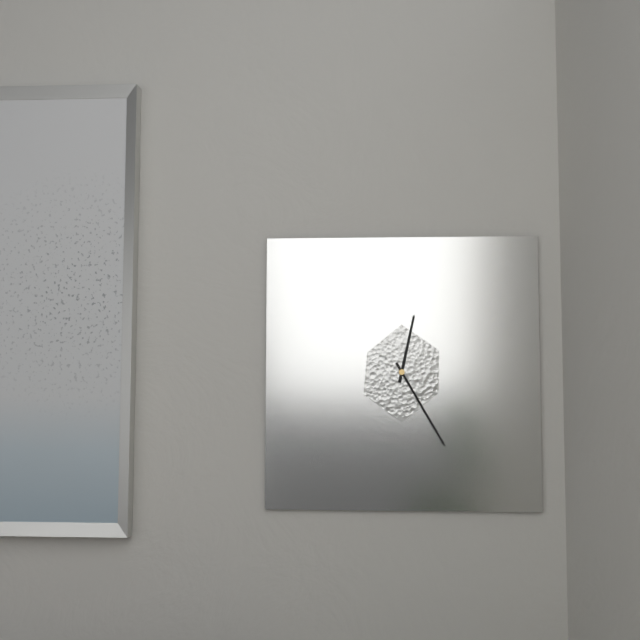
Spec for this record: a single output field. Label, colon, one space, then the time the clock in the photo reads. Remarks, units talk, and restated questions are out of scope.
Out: 12:25
